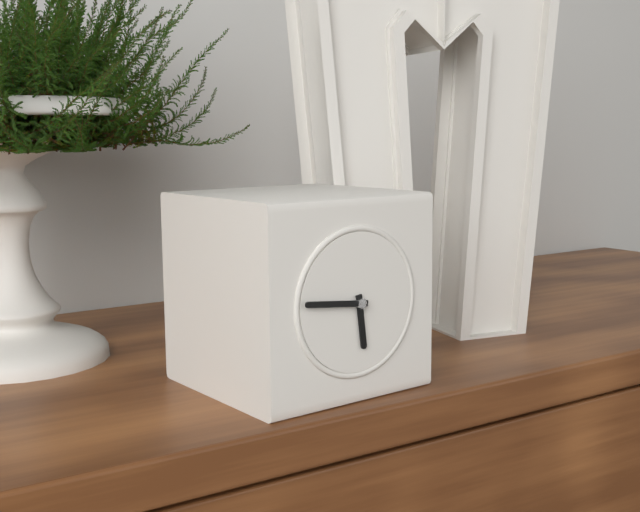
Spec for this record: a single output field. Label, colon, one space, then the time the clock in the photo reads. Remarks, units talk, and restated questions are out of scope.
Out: 5:46
